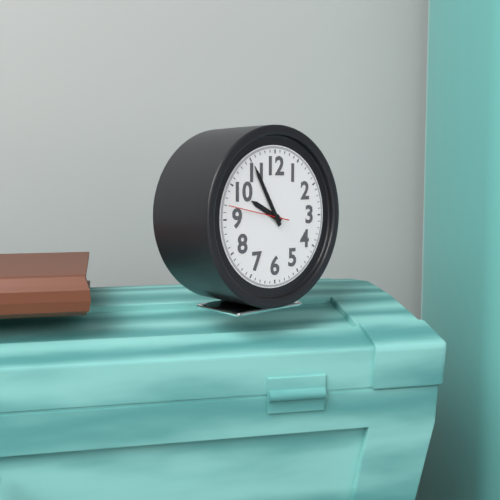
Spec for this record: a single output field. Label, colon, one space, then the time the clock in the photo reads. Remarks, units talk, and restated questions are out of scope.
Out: 9:55:47
